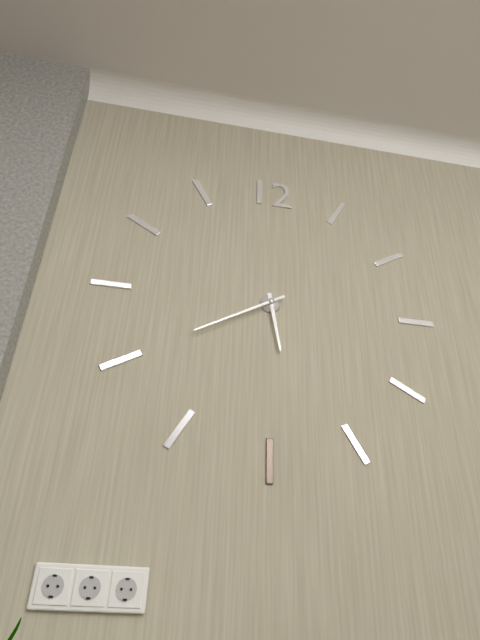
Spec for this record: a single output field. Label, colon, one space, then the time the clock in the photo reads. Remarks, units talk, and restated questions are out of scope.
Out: 5:40
